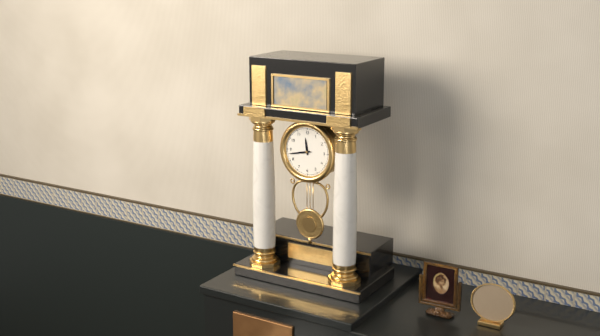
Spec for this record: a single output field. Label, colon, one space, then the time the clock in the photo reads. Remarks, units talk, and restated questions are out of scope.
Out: 11:43
